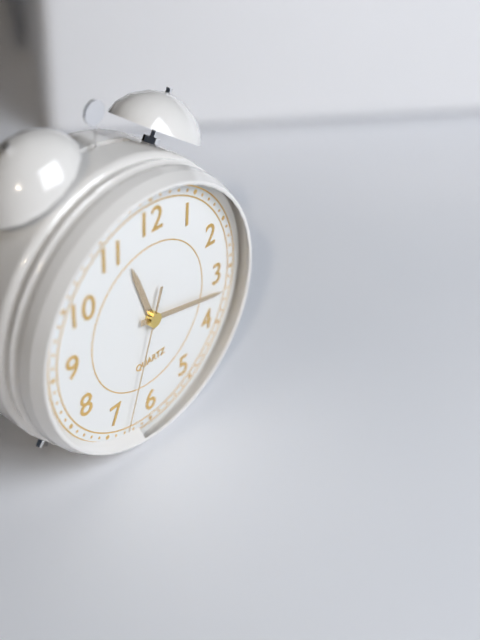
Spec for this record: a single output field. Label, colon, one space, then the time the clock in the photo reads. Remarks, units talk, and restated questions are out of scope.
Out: 11:17:33
